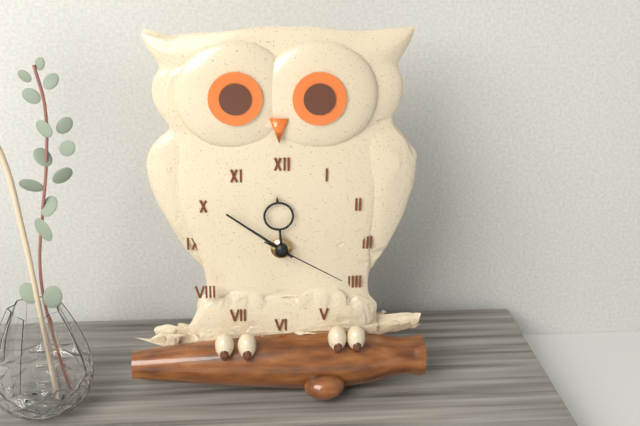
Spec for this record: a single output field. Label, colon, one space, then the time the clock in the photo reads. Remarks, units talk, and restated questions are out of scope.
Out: 11:51:20
